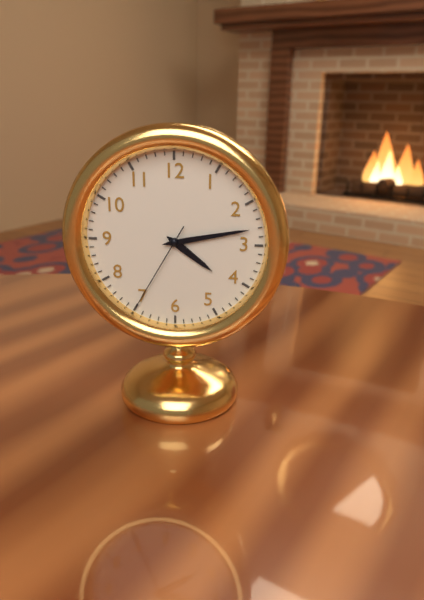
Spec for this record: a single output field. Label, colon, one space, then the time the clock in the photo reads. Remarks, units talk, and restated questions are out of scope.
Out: 4:13:35
